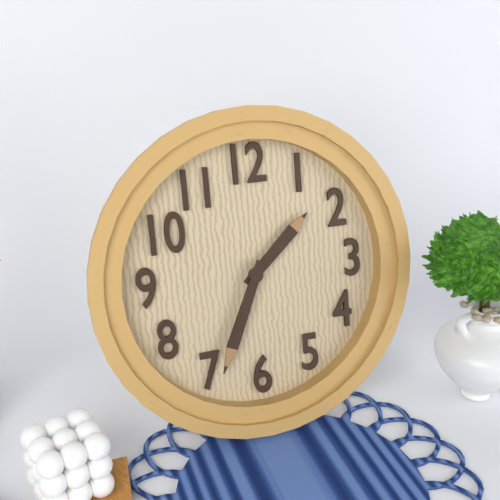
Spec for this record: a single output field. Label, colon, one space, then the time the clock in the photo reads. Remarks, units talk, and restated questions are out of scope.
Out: 1:34
